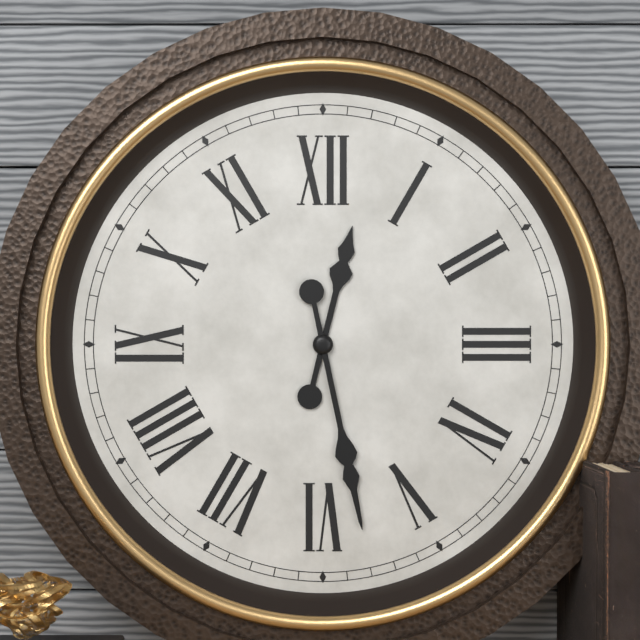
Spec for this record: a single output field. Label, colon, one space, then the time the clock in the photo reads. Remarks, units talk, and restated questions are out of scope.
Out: 12:28
